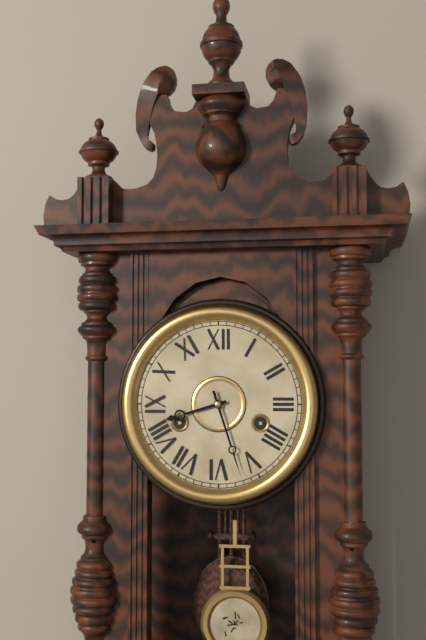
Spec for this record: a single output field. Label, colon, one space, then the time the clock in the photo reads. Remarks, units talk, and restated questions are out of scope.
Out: 8:27
